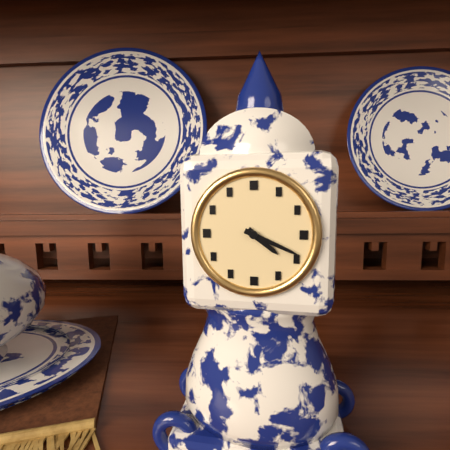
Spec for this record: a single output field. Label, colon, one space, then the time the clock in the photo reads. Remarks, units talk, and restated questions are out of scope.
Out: 4:19
